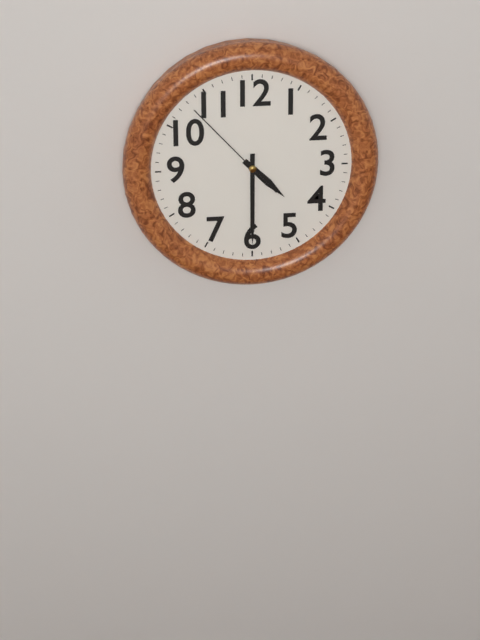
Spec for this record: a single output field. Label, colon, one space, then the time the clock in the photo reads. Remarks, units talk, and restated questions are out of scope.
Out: 4:30:53
